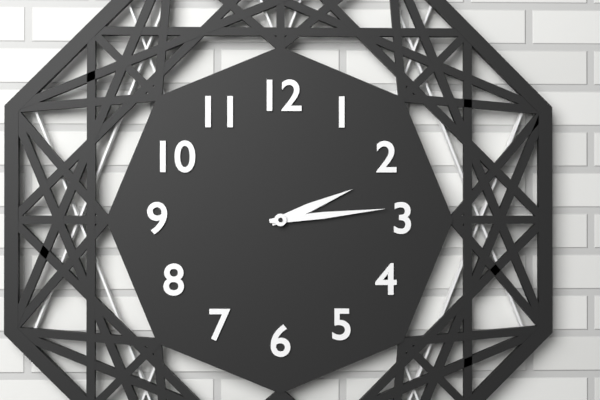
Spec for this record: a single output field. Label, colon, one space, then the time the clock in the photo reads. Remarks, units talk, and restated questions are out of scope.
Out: 2:14
